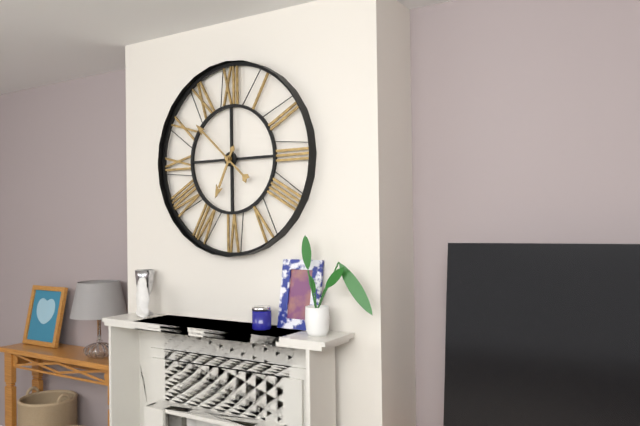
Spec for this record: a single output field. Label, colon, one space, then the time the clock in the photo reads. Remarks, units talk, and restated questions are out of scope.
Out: 6:52
